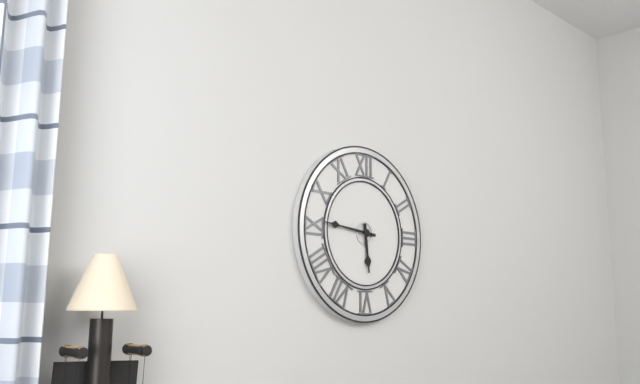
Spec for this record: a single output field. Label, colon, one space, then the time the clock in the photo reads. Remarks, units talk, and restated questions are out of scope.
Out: 5:46
